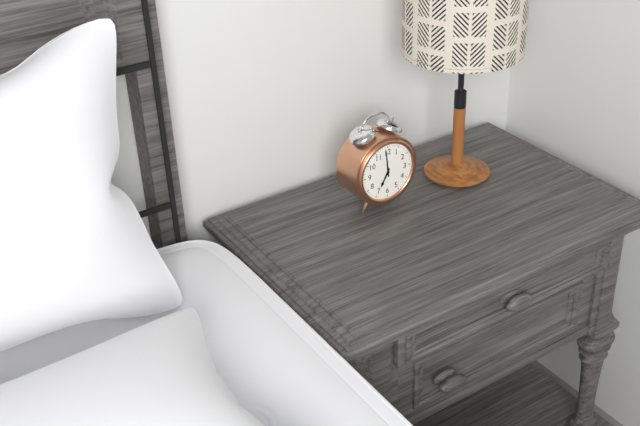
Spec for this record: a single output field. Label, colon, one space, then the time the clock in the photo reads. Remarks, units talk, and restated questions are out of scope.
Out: 6:59
